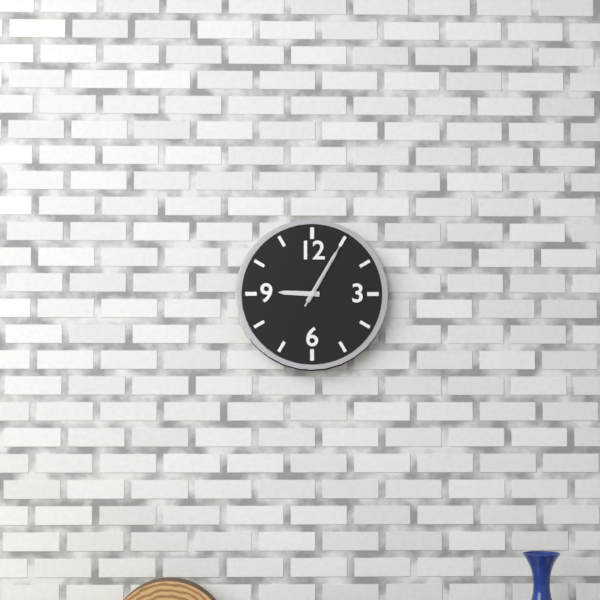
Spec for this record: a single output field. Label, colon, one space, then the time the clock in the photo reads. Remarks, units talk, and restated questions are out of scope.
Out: 9:05:05
